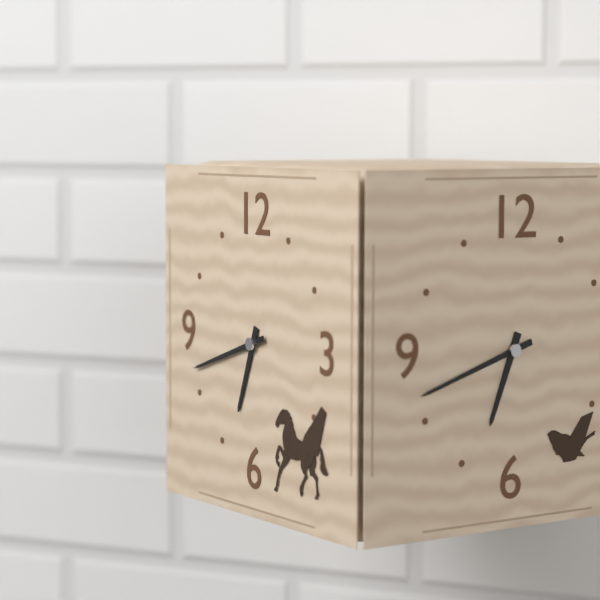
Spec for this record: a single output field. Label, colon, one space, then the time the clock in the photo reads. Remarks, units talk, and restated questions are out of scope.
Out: 6:42
